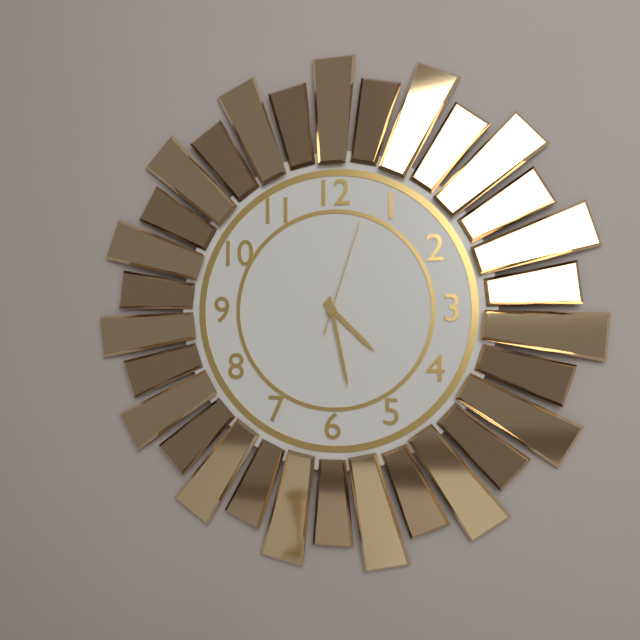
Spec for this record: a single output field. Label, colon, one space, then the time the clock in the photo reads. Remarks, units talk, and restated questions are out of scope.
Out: 4:28:03
